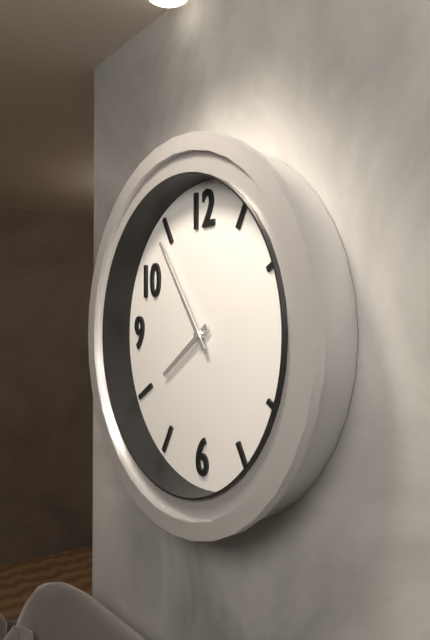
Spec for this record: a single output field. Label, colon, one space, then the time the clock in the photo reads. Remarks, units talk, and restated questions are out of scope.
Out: 7:54
